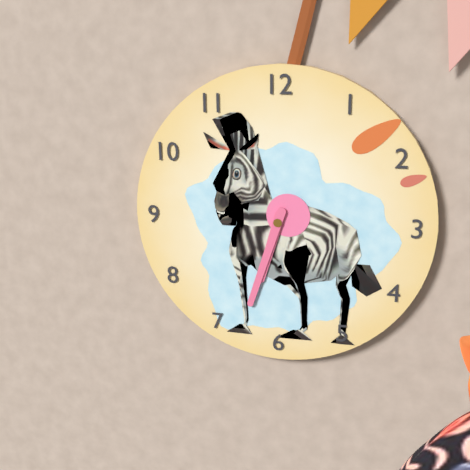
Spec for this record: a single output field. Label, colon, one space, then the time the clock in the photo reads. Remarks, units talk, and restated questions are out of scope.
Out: 6:33
